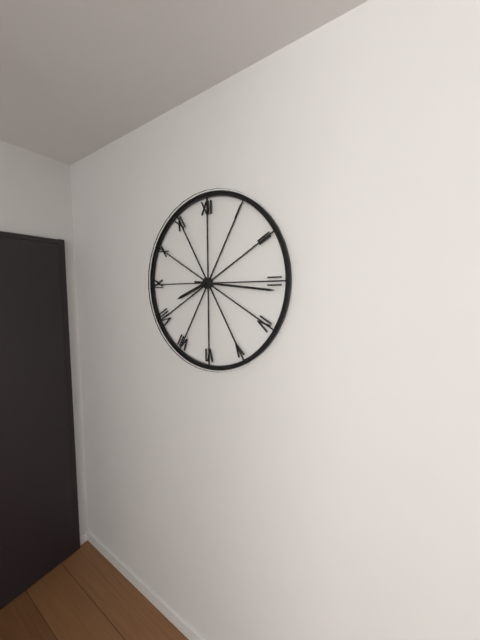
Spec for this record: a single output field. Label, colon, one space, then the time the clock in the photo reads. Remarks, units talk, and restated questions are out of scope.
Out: 8:16
